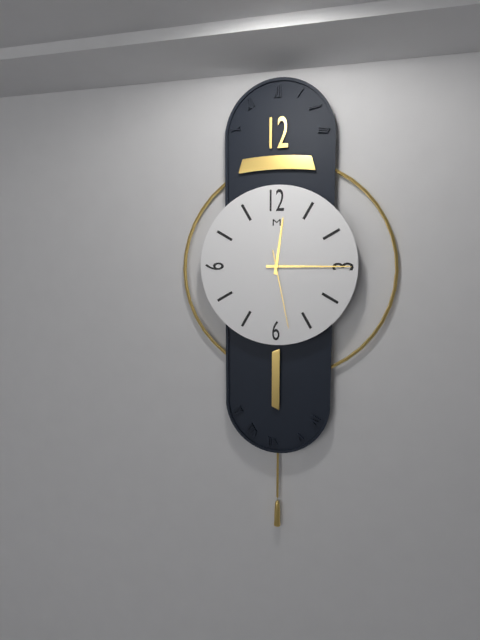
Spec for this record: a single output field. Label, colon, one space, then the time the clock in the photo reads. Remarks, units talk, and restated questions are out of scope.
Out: 12:15:28
